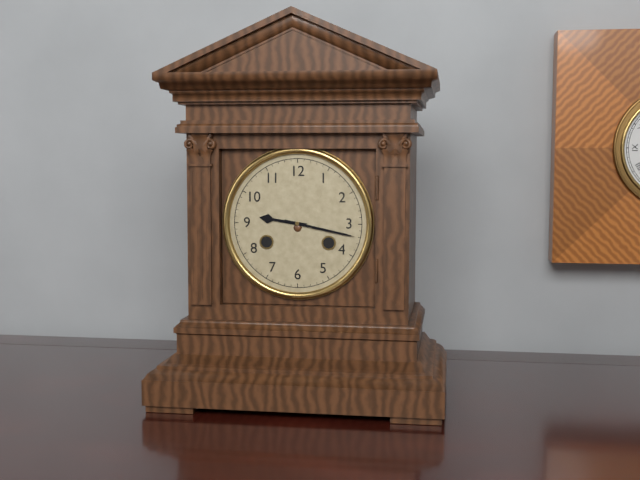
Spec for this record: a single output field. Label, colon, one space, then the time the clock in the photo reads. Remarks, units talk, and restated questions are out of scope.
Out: 9:17
